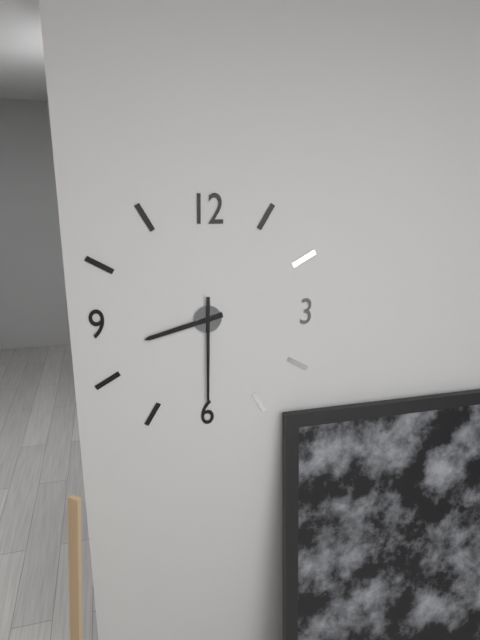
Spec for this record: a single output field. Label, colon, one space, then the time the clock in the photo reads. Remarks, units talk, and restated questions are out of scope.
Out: 8:30
